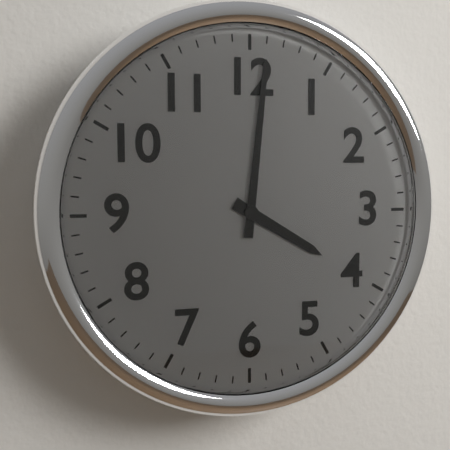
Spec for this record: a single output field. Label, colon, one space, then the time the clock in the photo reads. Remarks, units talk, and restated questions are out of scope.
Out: 4:01
